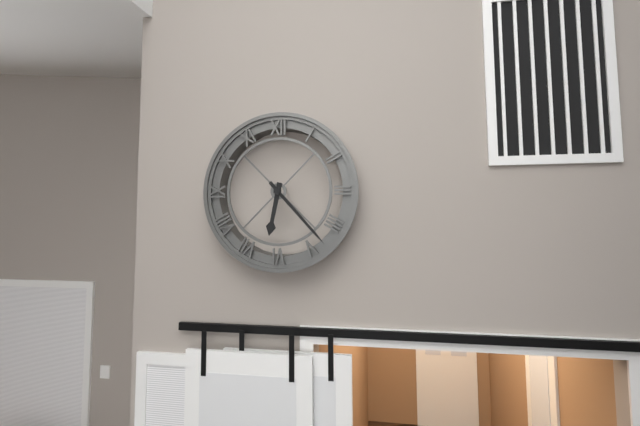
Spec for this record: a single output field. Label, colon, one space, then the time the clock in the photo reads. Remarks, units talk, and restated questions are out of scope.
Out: 6:23
